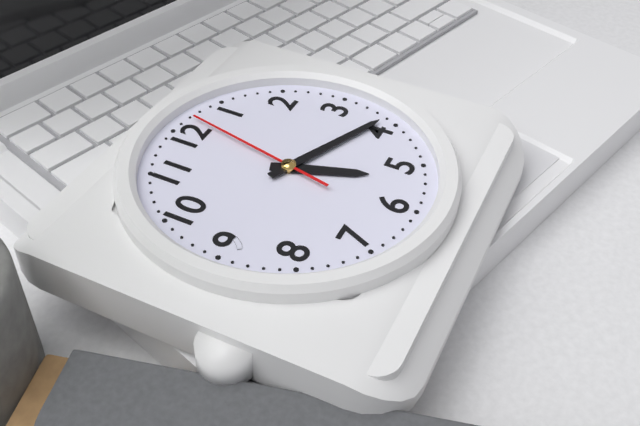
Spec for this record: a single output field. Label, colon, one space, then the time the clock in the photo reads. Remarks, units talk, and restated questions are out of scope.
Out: 5:19:02
